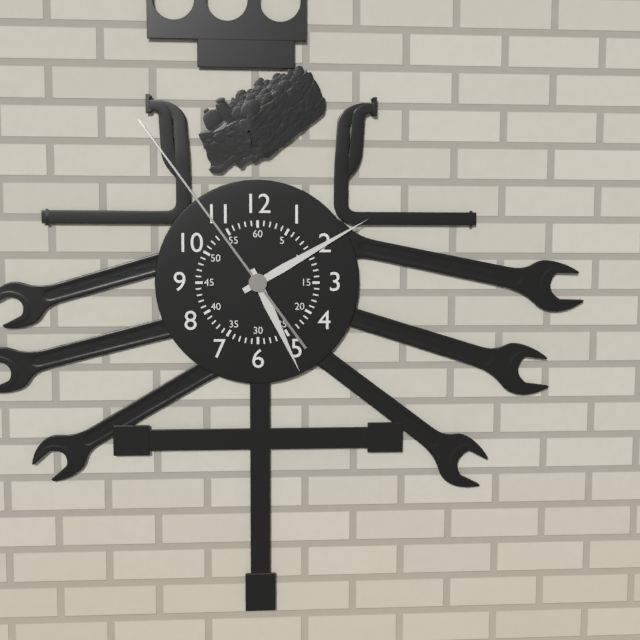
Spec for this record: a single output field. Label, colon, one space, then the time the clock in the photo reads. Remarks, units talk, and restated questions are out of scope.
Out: 5:10:54
